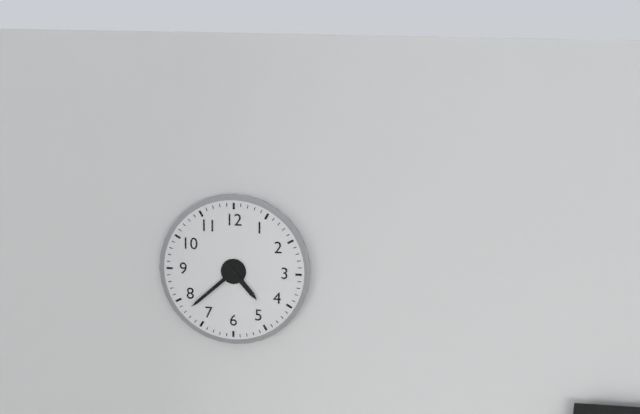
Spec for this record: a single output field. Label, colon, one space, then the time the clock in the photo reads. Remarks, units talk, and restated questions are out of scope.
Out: 4:38
